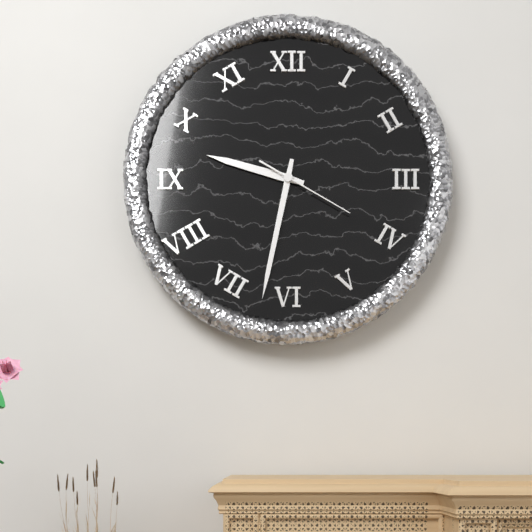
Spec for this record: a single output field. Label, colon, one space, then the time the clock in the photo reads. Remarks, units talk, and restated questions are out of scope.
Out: 9:32:20
